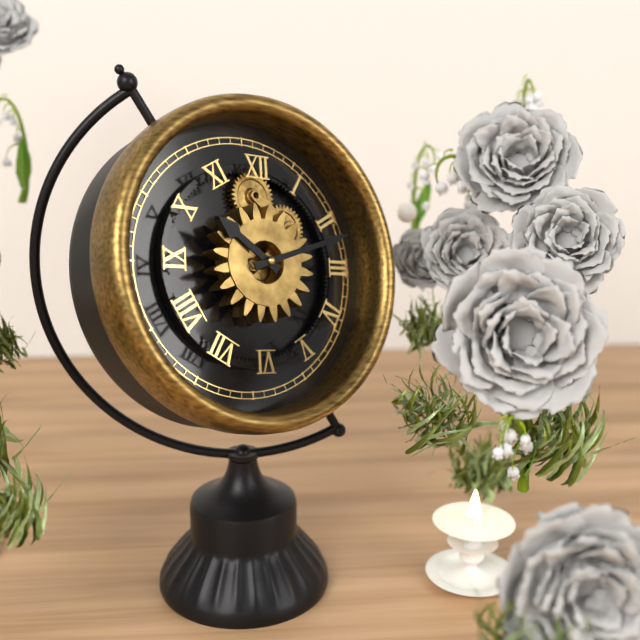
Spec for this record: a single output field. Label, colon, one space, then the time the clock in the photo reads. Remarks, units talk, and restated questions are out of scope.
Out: 10:12
